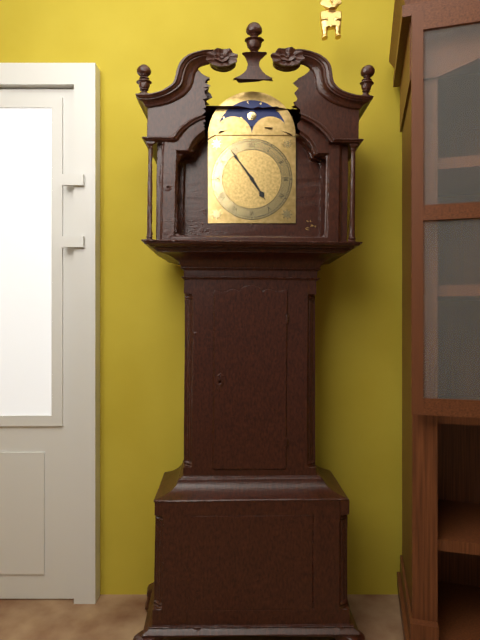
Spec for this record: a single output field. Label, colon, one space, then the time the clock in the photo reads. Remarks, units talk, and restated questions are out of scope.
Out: 4:54
